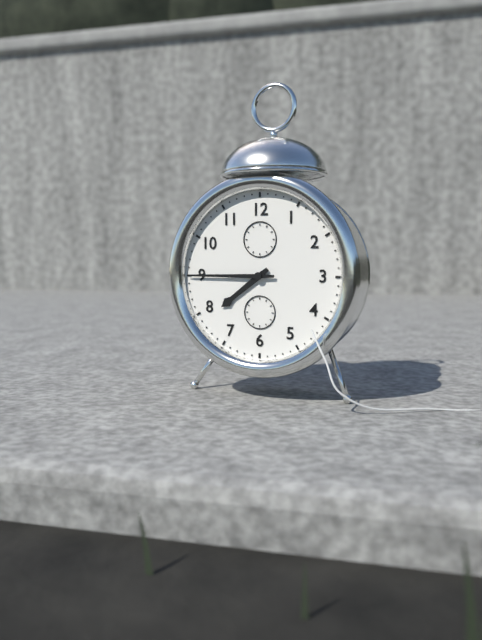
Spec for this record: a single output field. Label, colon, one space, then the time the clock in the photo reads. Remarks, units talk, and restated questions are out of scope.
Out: 7:45
